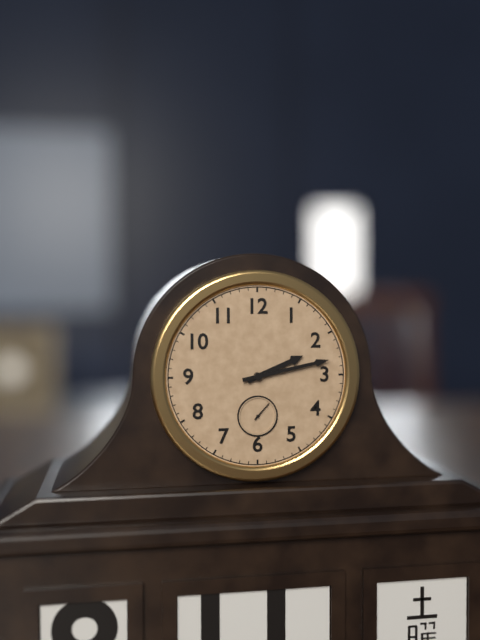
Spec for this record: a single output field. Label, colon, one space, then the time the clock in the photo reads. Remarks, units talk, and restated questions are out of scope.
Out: 2:13
